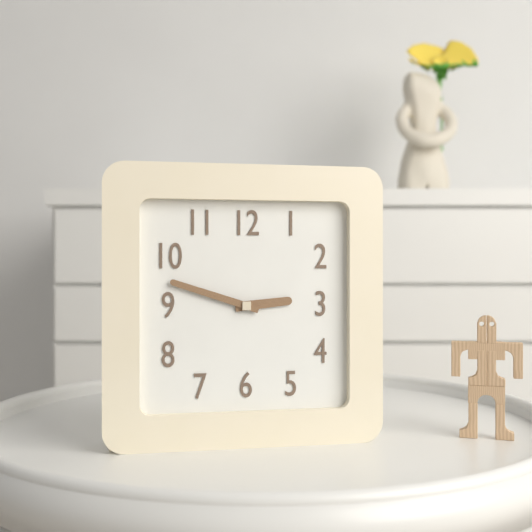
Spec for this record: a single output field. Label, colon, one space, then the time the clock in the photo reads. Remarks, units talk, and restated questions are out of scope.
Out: 2:48
